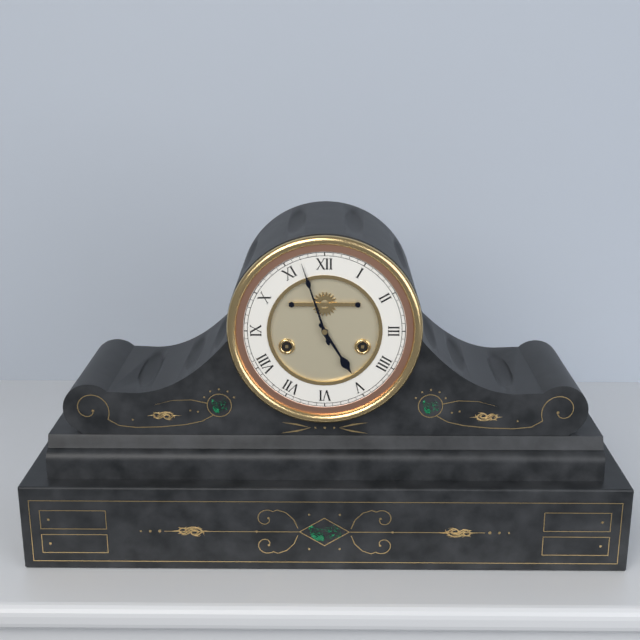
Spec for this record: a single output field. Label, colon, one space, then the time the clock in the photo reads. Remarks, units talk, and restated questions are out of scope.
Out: 4:57
